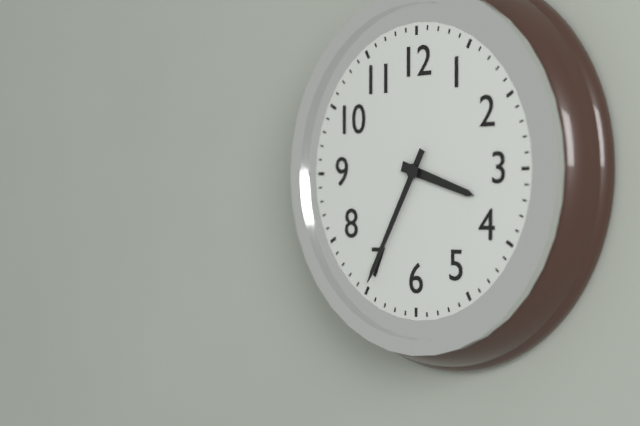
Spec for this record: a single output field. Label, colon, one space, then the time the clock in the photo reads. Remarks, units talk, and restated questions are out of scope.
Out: 3:35
